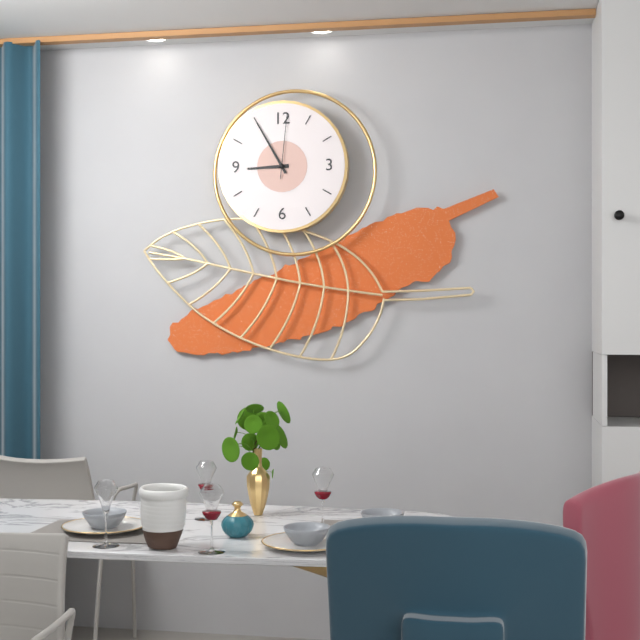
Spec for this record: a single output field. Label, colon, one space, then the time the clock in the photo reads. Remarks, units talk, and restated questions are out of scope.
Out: 8:55:01
